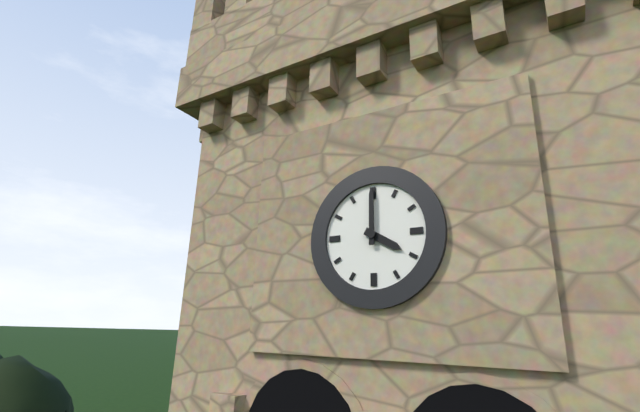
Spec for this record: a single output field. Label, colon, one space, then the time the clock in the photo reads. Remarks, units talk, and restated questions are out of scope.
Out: 4:00
